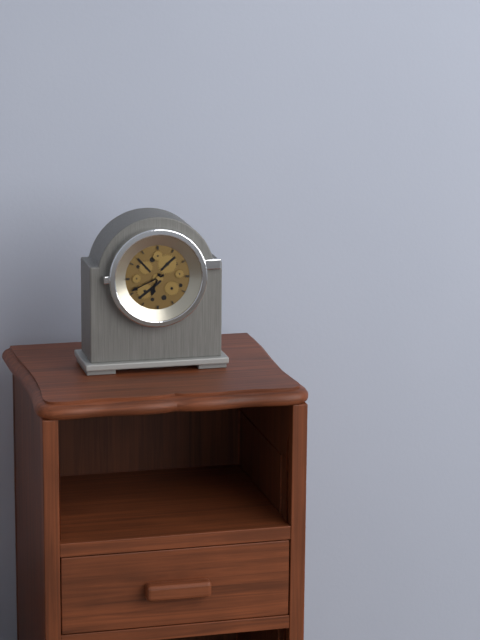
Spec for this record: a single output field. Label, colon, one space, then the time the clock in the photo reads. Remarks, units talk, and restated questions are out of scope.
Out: 6:41
